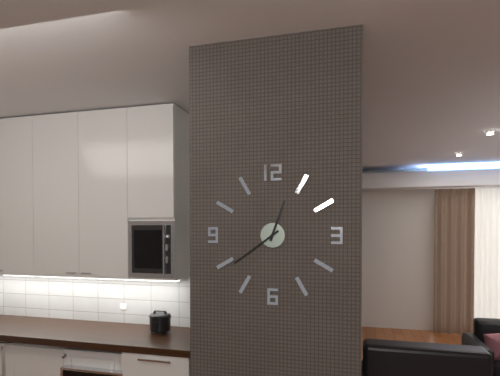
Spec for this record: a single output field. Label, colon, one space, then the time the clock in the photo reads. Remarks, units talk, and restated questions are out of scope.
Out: 12:39
